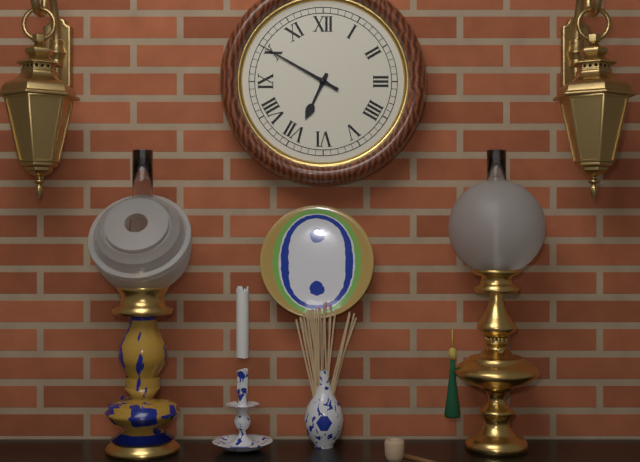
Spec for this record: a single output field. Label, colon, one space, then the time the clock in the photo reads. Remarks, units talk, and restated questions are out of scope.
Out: 6:50
